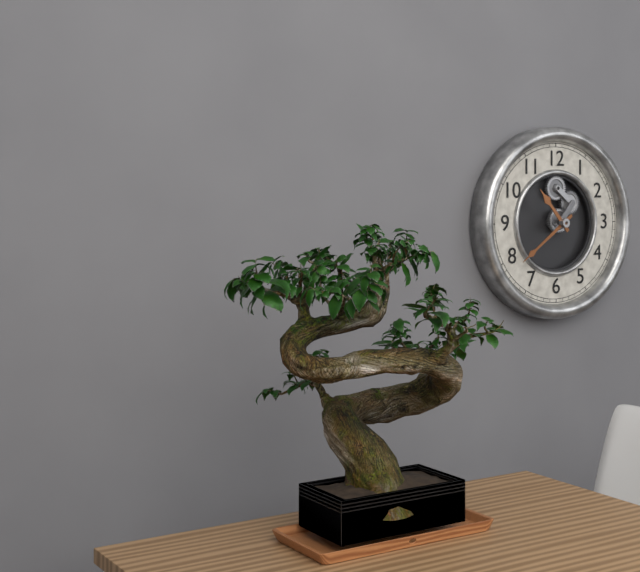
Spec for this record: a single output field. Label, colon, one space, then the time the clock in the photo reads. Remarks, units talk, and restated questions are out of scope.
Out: 10:39
